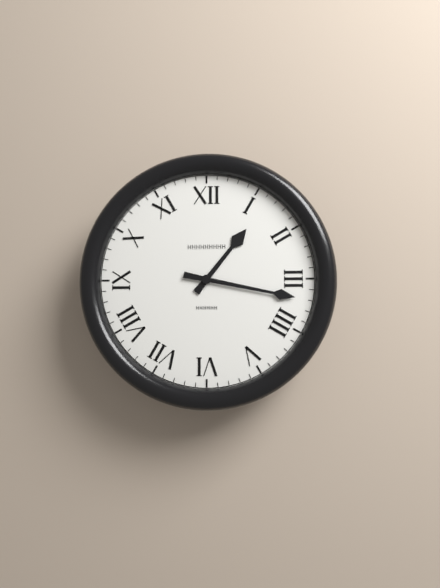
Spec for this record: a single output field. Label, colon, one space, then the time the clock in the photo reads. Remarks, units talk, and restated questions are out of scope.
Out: 1:17
